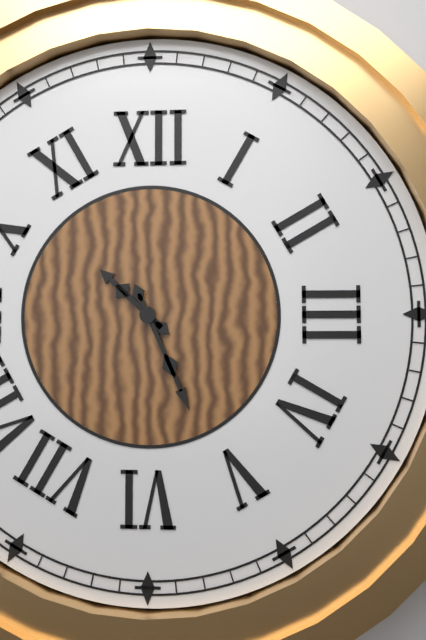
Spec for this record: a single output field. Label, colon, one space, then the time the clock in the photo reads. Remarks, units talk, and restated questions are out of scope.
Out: 10:26
